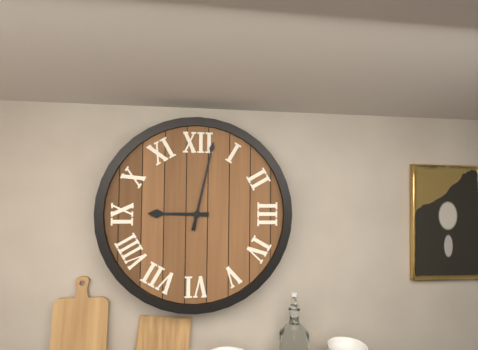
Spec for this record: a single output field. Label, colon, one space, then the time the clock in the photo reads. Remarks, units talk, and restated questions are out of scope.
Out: 9:02
